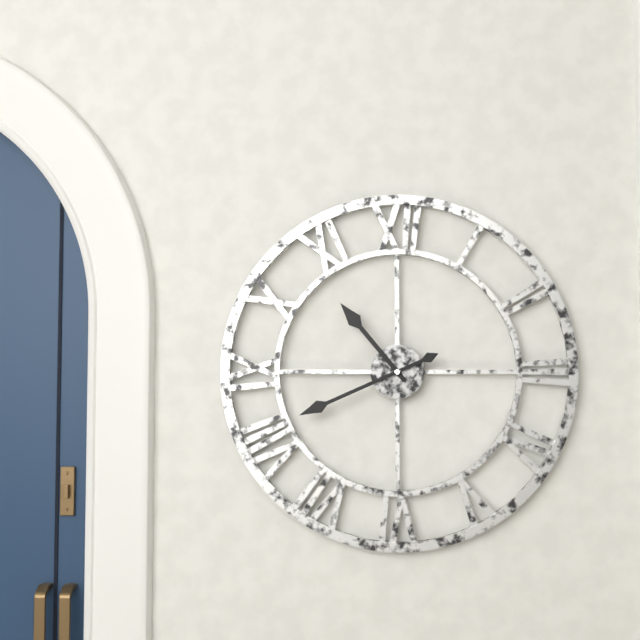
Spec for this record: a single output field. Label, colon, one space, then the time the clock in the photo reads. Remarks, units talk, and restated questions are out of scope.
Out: 10:41
